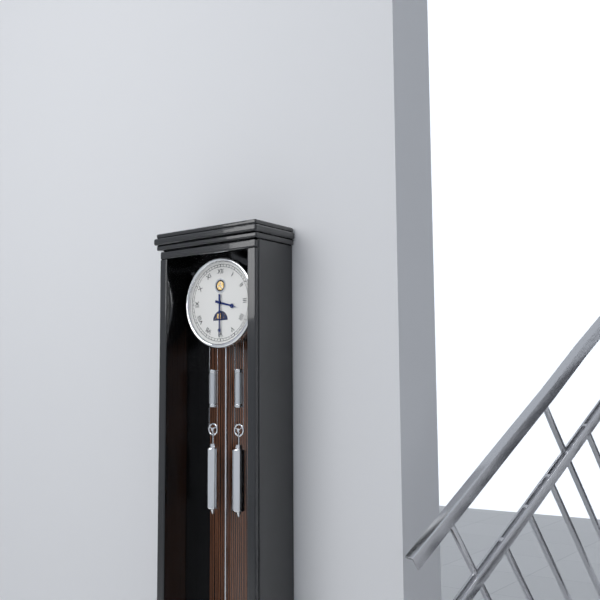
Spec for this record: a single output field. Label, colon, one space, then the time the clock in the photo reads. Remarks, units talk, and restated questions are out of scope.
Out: 3:30
